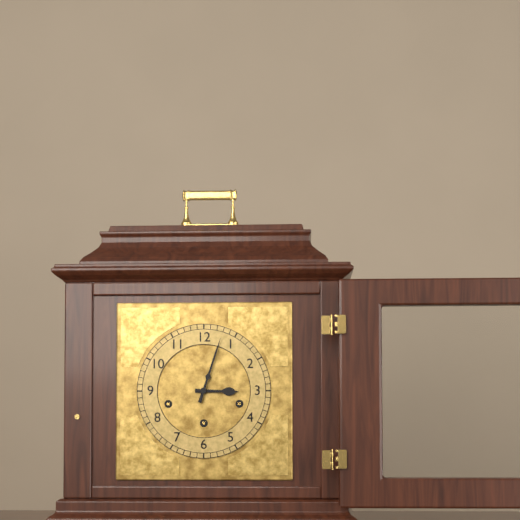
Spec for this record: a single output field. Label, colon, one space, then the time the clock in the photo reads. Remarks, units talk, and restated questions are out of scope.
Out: 3:03
